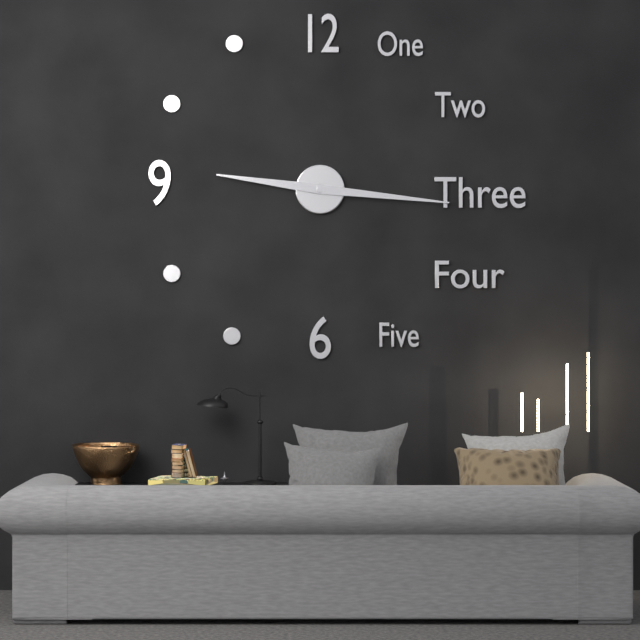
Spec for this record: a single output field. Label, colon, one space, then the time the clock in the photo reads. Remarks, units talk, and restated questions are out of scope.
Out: 9:16
